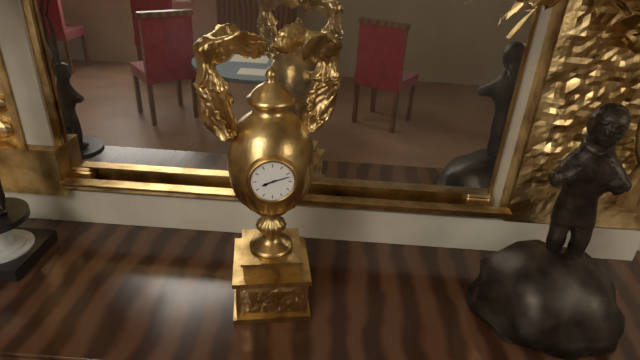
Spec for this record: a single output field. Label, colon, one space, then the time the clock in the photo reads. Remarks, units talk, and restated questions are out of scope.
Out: 8:12
